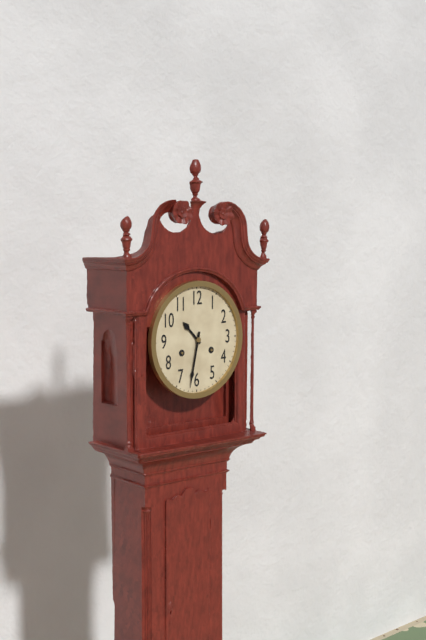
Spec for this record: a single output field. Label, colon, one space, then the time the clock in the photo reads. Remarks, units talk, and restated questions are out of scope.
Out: 10:32
